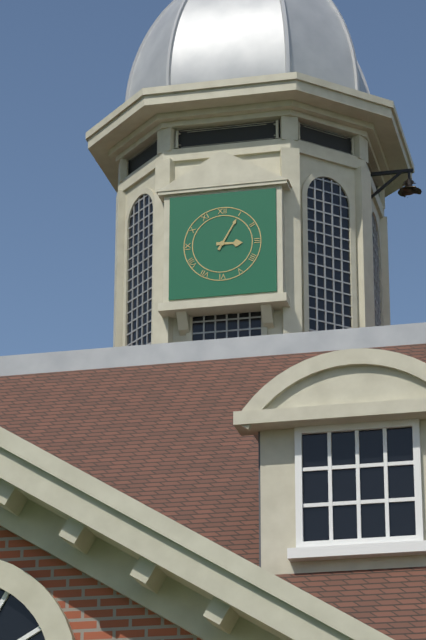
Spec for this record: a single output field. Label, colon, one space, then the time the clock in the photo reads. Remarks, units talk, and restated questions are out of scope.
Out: 3:05
